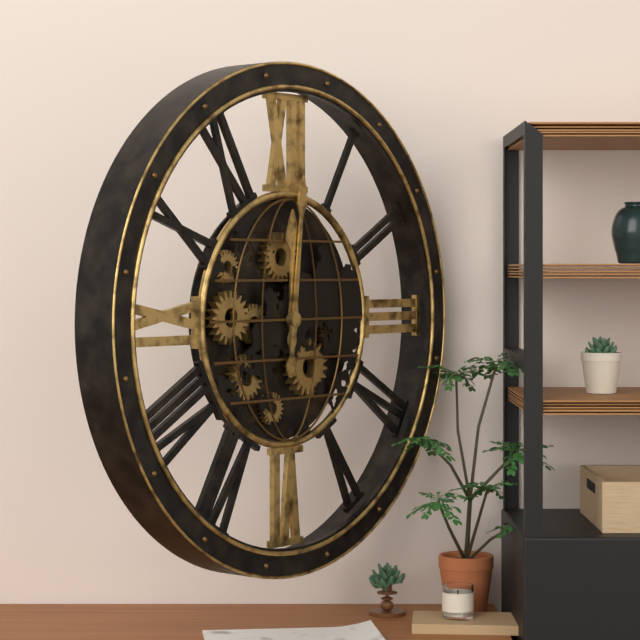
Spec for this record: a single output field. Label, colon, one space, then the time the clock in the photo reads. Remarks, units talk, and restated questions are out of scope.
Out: 12:01
